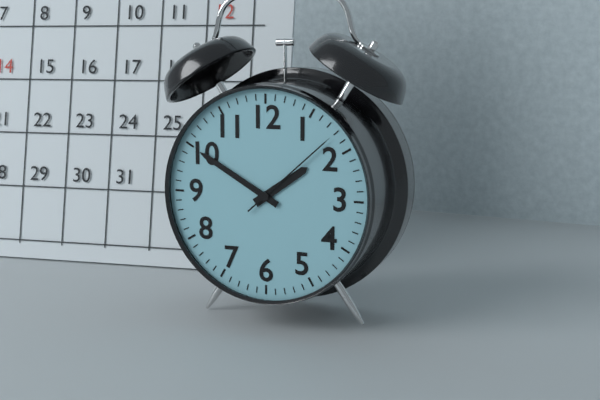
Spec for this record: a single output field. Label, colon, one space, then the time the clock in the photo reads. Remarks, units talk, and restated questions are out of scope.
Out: 1:50:08
